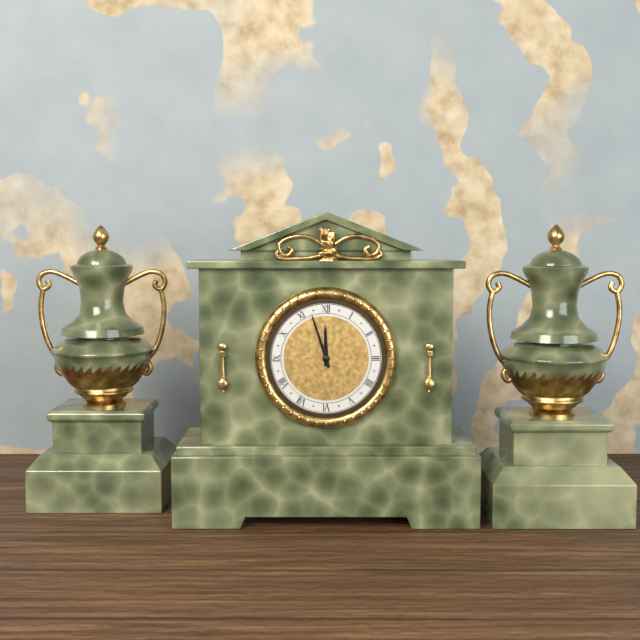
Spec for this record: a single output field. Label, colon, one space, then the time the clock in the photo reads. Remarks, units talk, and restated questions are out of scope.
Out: 11:57
